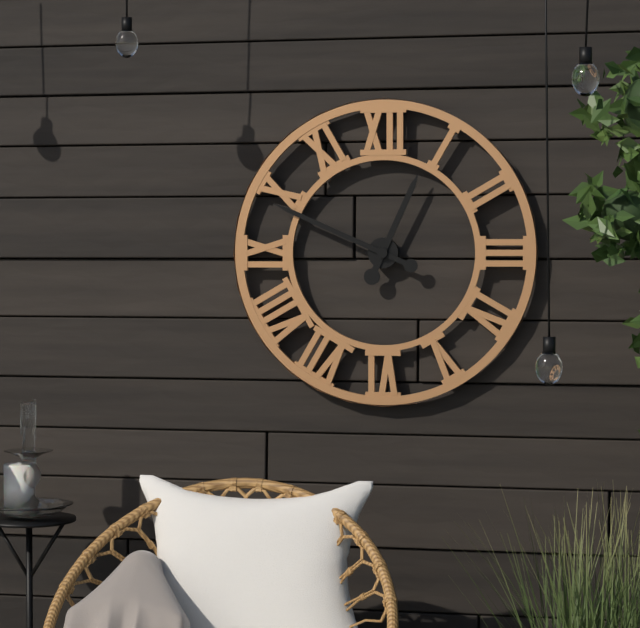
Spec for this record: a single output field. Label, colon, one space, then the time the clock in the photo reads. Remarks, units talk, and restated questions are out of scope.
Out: 12:49
